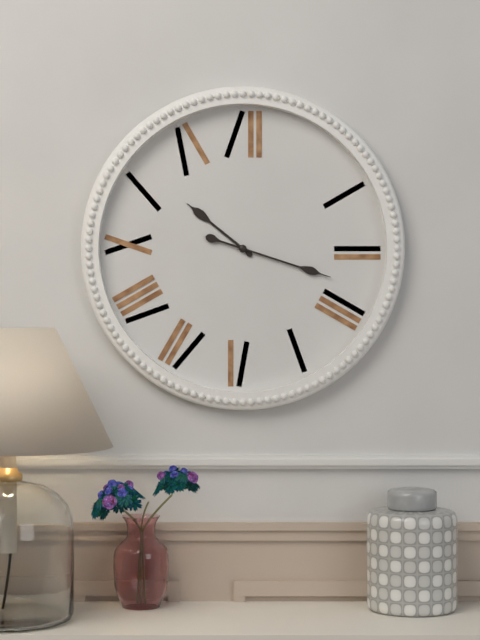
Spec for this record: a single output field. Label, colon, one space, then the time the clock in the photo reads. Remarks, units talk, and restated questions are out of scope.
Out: 10:18
